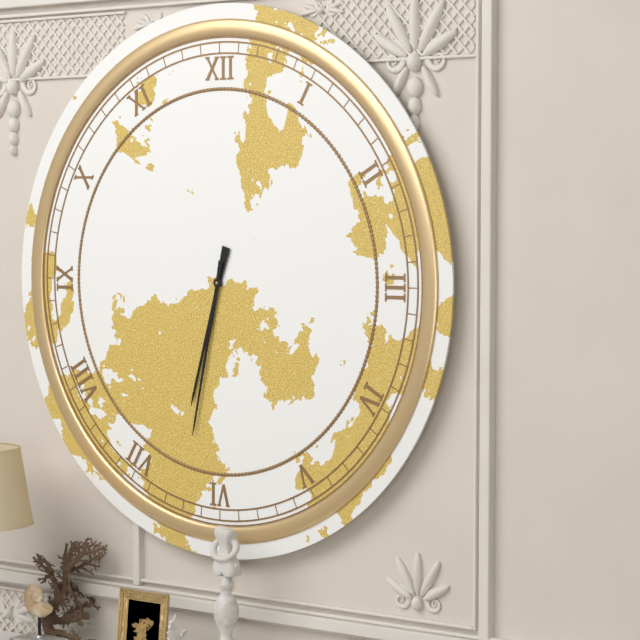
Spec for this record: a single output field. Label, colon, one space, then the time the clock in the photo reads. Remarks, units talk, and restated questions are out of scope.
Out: 6:32
